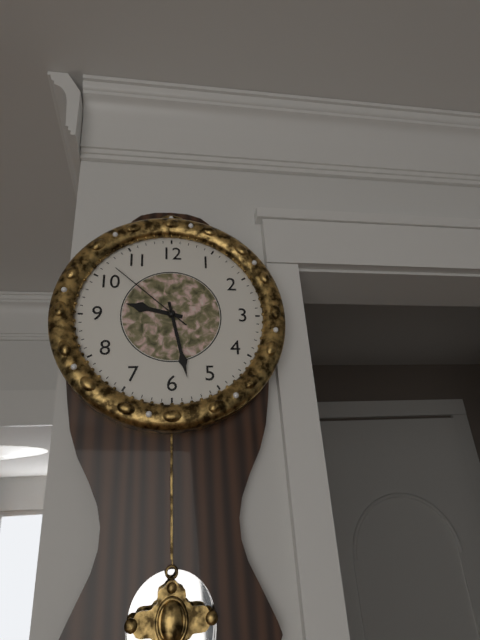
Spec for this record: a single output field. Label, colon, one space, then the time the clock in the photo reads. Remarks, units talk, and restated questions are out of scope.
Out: 9:28:52
